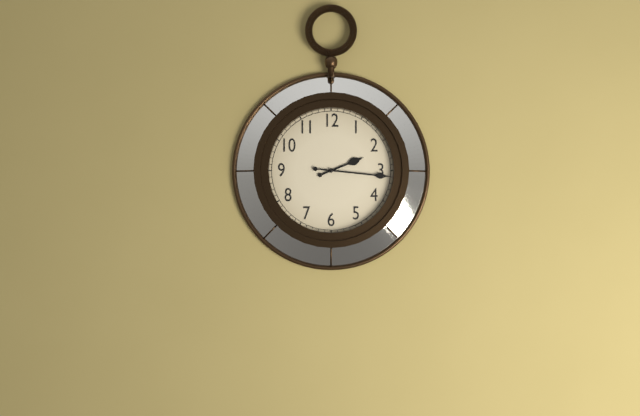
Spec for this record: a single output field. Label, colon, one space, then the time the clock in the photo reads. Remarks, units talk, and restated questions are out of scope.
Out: 2:16
